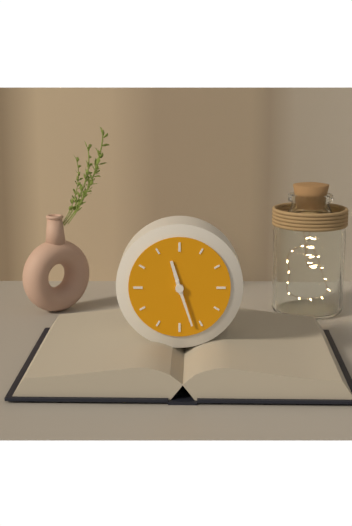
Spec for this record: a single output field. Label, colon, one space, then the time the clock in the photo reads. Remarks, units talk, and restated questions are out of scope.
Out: 11:27
